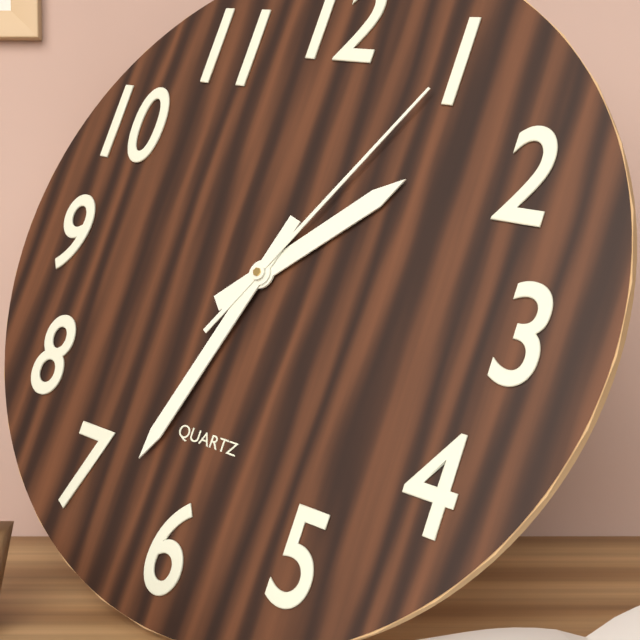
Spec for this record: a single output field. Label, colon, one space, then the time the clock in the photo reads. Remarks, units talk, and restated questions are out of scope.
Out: 1:33:05
